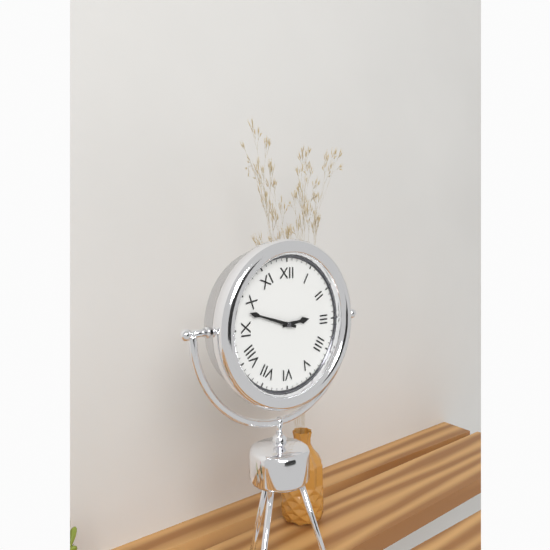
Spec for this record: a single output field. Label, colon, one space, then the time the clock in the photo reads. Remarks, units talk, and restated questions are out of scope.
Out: 2:48
